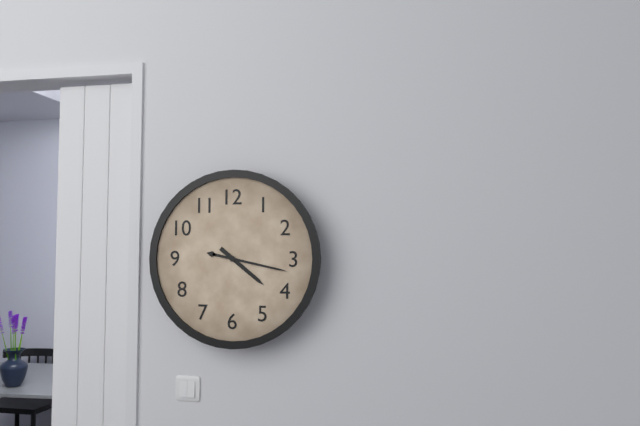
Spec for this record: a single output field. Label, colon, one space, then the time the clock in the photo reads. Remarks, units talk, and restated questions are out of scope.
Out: 4:17
